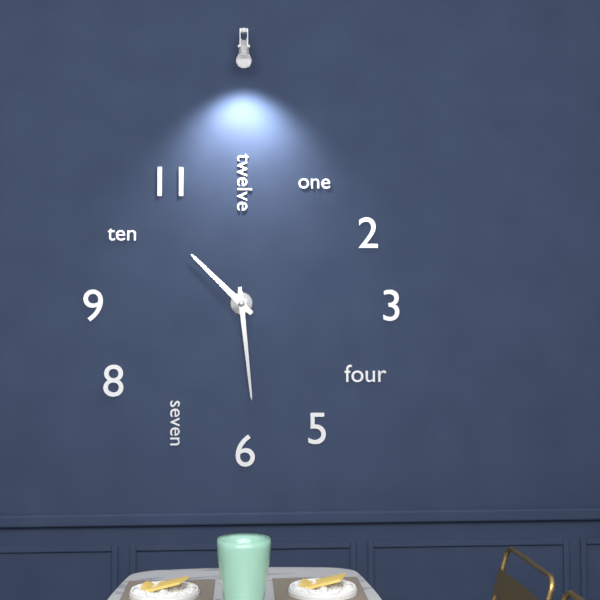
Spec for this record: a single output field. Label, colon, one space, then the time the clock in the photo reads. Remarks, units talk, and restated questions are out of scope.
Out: 10:29
